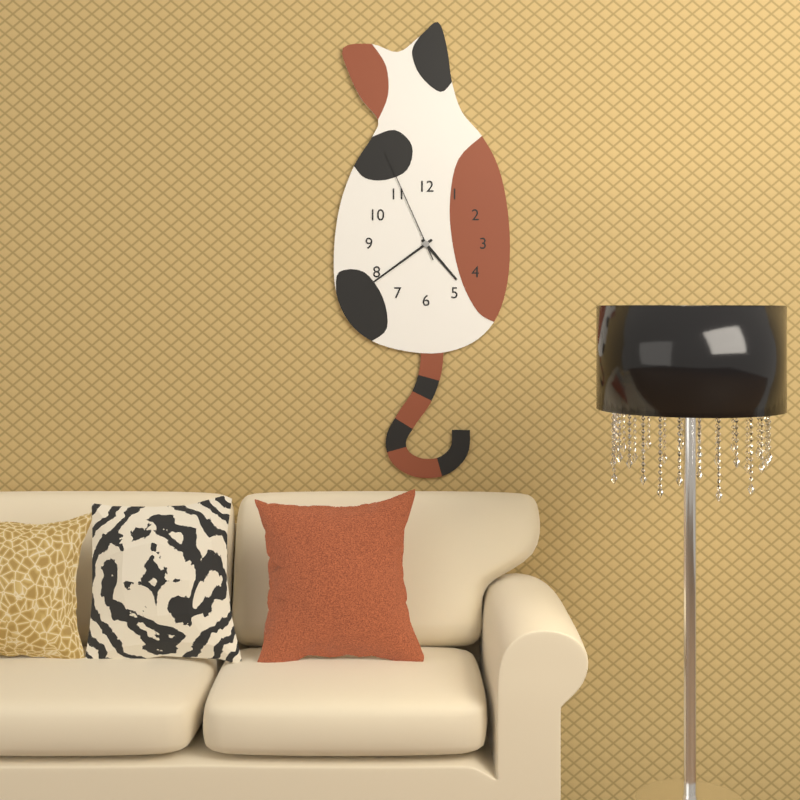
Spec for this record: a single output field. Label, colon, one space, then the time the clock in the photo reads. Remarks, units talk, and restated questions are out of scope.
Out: 4:39:56
